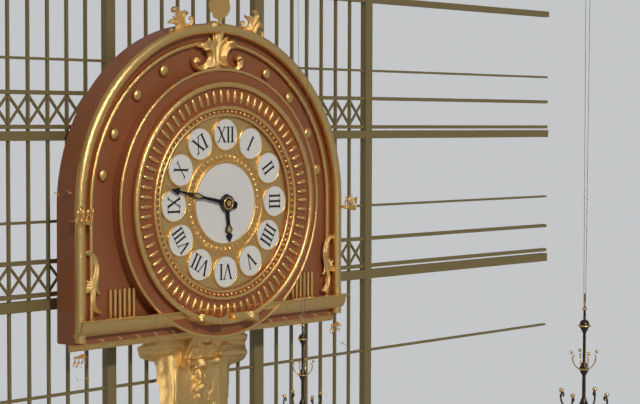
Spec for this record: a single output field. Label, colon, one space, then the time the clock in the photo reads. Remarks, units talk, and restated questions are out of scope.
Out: 5:47
